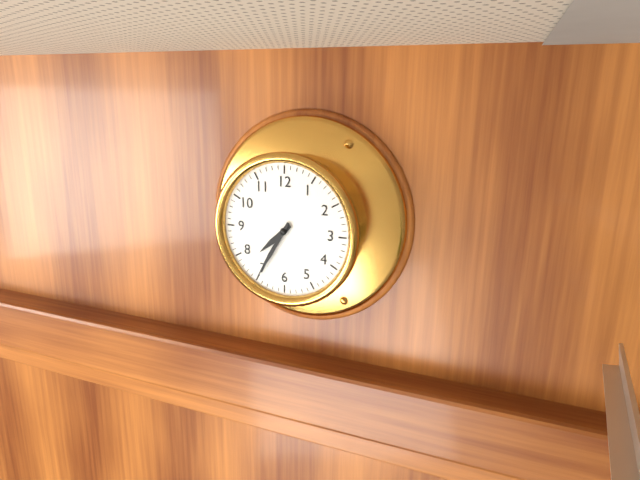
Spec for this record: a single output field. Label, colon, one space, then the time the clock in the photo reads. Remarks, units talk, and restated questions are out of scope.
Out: 7:35
